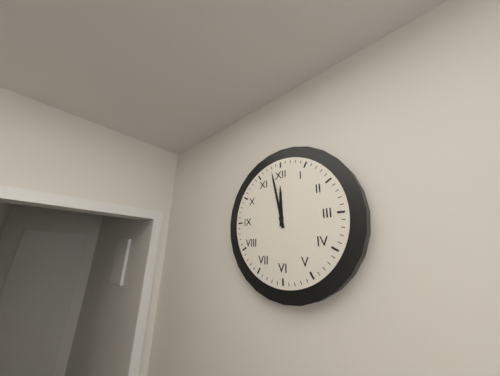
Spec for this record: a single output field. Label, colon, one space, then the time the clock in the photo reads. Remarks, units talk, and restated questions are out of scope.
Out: 11:58
